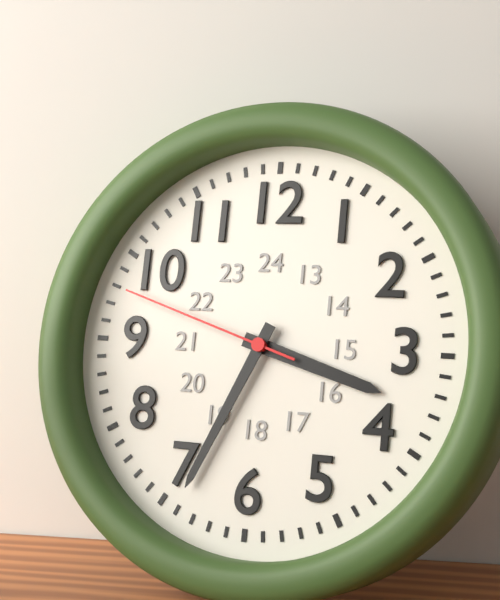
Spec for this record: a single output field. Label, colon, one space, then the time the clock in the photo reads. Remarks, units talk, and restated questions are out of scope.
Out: 3:34:48
